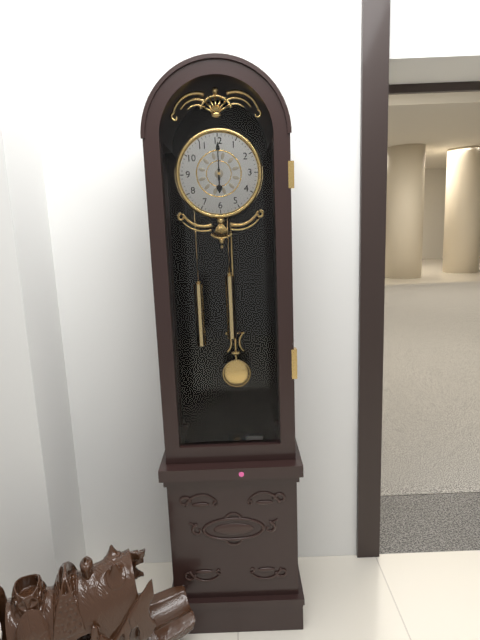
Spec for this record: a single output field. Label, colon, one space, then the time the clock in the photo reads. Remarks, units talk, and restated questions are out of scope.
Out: 6:00
